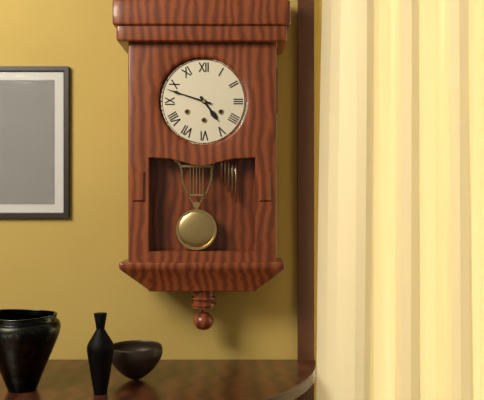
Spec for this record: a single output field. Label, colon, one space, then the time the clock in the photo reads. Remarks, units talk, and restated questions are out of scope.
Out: 4:48
